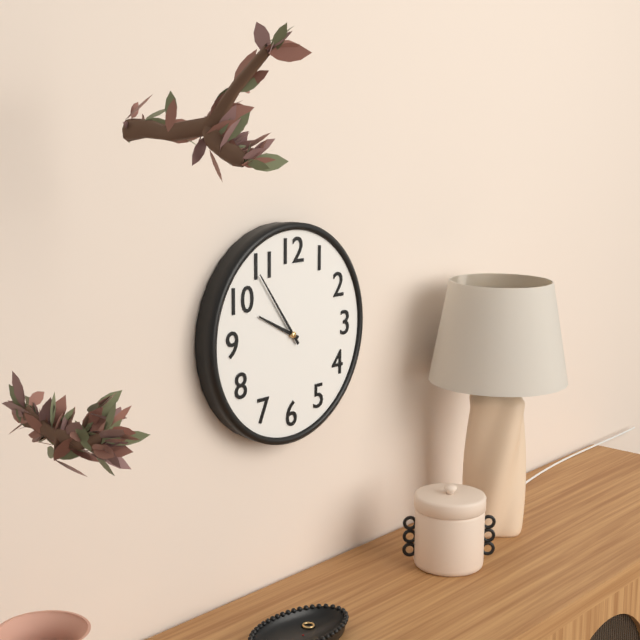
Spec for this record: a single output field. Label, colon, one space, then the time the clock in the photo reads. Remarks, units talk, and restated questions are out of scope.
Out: 9:54
